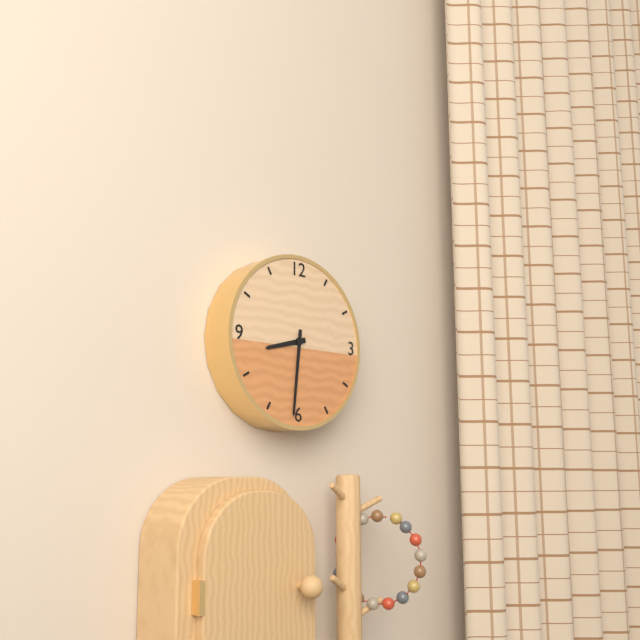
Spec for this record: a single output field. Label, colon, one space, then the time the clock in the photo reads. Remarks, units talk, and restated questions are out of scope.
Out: 8:31
